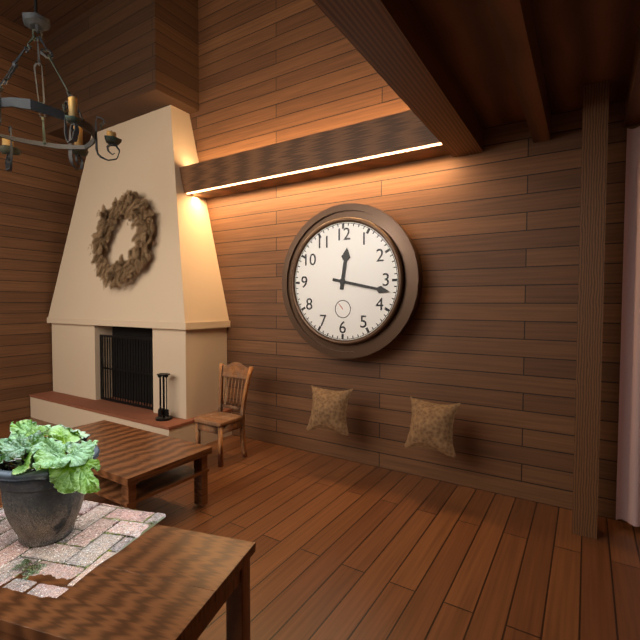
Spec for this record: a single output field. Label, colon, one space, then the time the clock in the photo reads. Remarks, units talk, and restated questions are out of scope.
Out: 12:17
